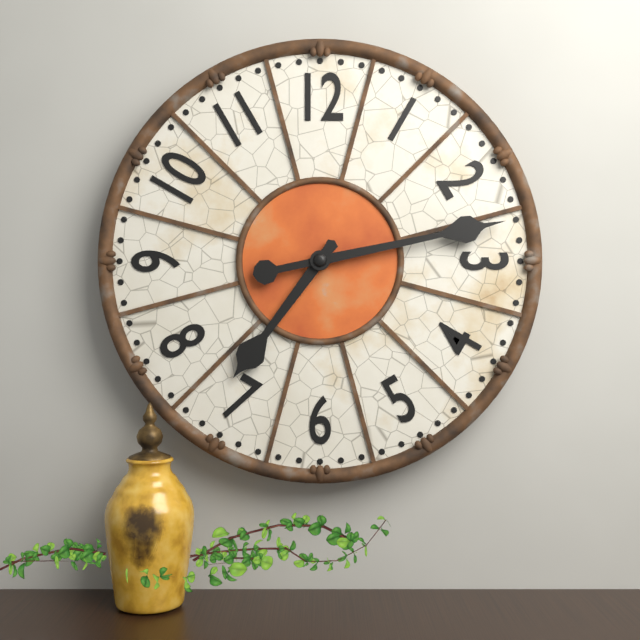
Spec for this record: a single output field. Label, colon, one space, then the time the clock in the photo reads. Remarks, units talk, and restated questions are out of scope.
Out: 7:13
